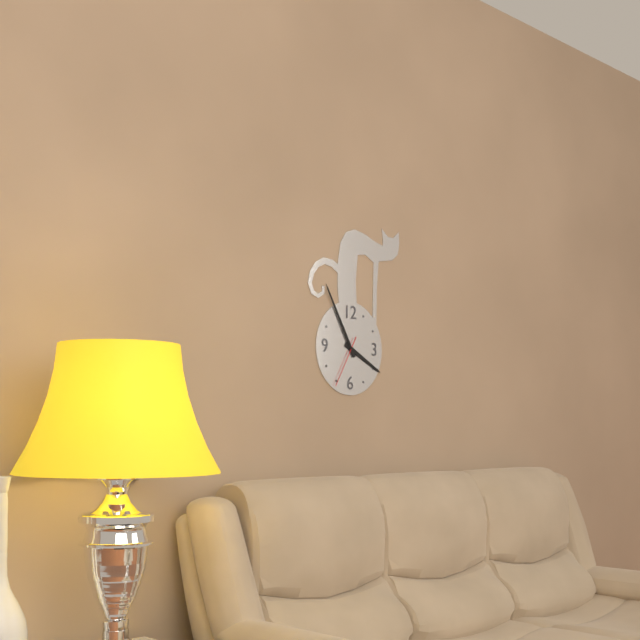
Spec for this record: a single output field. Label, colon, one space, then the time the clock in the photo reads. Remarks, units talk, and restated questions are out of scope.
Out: 3:55:35
